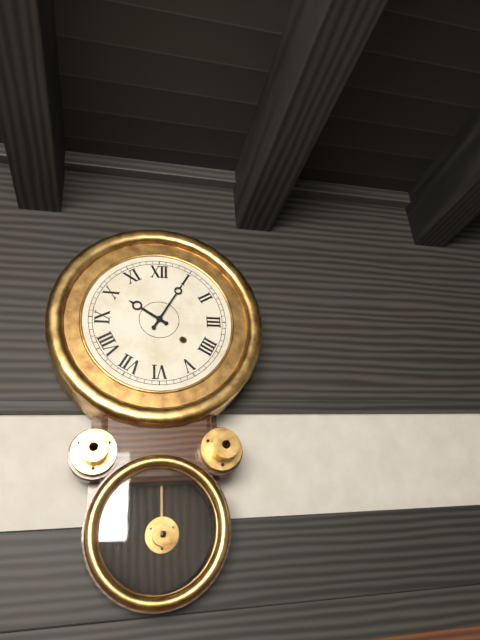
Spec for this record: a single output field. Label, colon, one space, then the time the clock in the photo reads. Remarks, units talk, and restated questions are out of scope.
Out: 10:05
